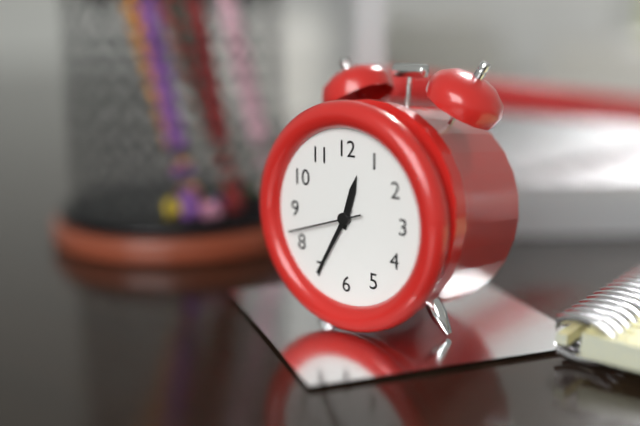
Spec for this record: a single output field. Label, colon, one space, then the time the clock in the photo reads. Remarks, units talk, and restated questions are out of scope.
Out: 12:35:42
